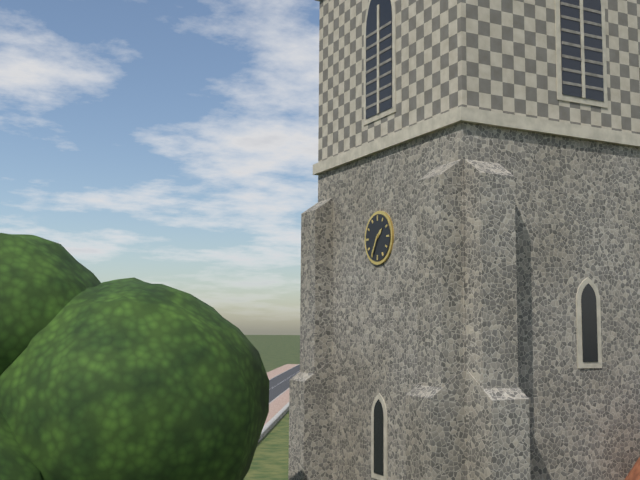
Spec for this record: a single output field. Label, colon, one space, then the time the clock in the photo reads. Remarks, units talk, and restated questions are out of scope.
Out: 1:35
